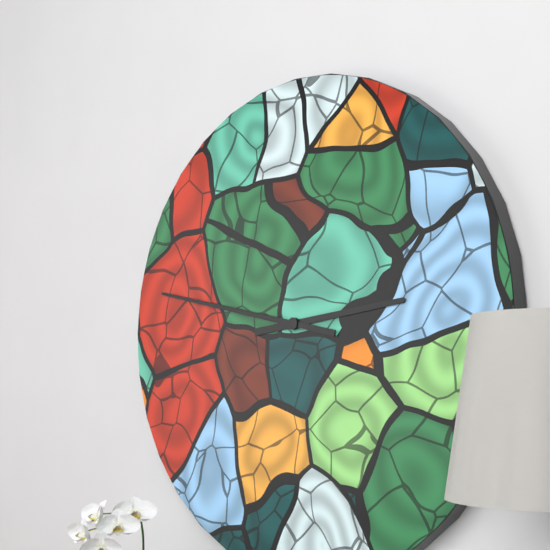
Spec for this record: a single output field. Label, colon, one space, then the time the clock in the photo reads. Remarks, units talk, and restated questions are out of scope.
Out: 2:47
